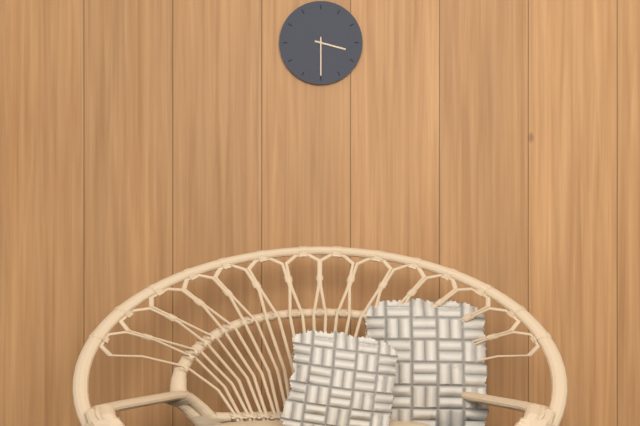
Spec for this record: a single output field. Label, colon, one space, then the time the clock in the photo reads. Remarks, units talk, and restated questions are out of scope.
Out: 3:30
